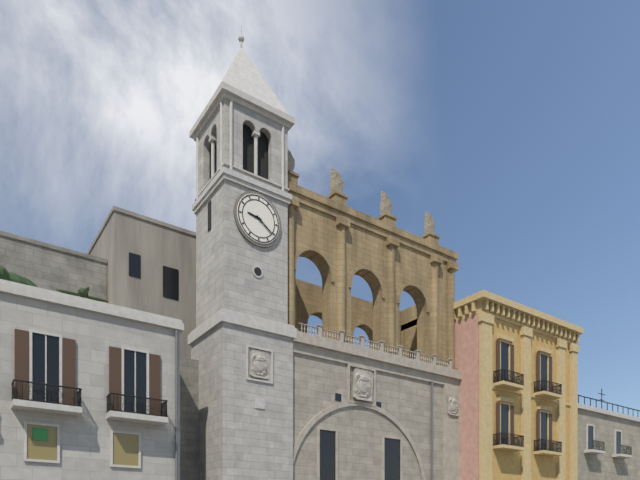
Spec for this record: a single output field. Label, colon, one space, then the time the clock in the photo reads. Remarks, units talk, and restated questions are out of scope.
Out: 9:21
